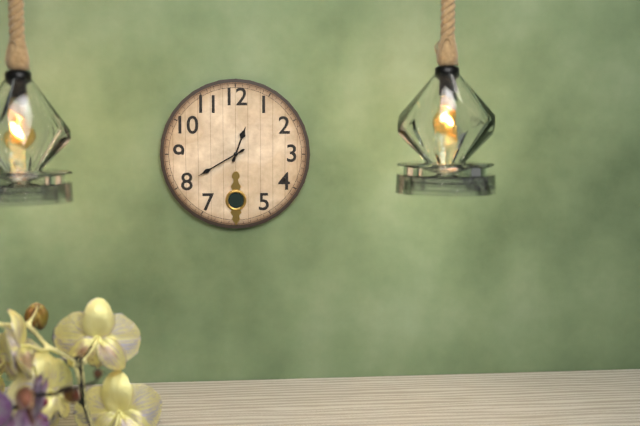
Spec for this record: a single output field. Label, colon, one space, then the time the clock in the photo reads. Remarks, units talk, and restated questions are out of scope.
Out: 12:40
